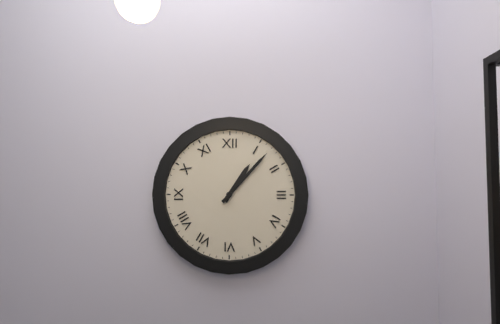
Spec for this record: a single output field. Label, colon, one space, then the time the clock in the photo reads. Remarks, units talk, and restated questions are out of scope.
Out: 1:07
